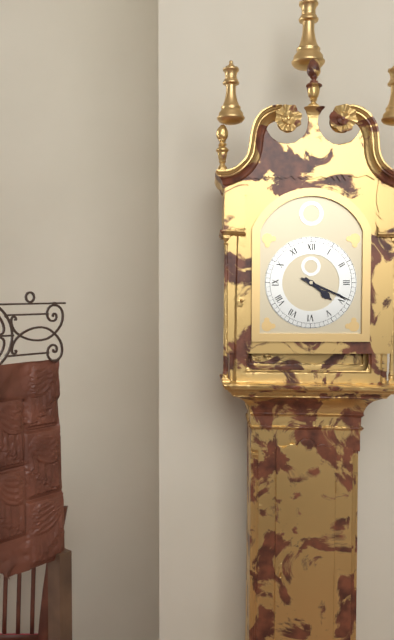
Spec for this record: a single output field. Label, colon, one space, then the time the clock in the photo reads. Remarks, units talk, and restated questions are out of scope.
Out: 4:19
